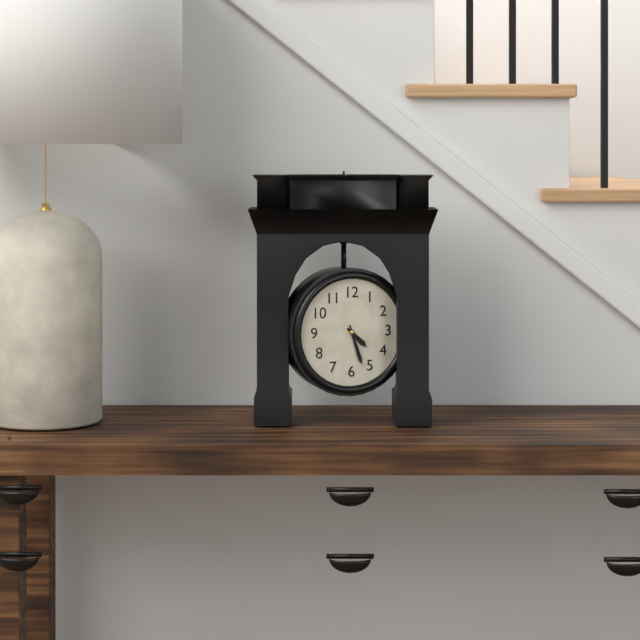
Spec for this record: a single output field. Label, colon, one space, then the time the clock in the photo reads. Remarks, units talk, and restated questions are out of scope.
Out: 4:27
